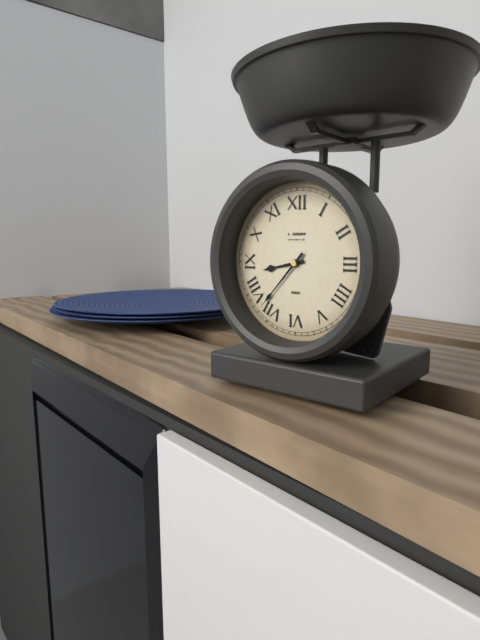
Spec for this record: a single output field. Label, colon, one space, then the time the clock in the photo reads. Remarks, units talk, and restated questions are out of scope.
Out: 8:37
